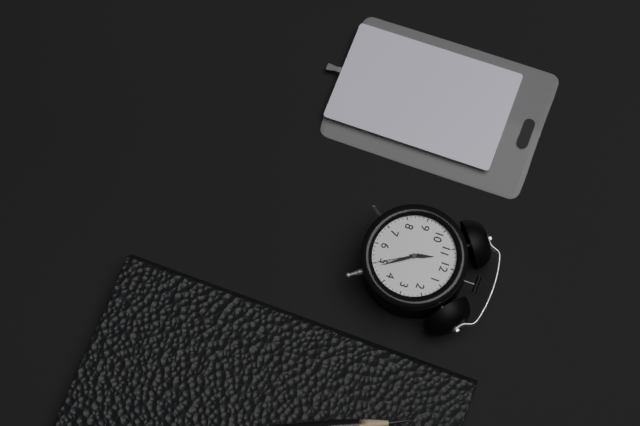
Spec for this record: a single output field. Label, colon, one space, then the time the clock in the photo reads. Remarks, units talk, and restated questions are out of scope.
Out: 11:24
